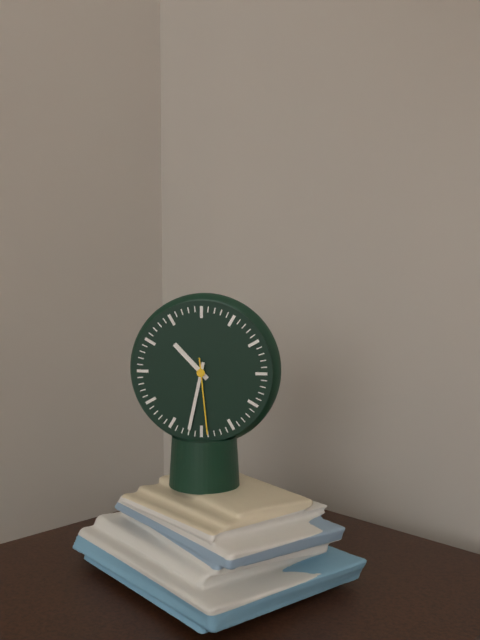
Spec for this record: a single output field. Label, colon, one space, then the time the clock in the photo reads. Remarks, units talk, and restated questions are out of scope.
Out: 10:32:29
